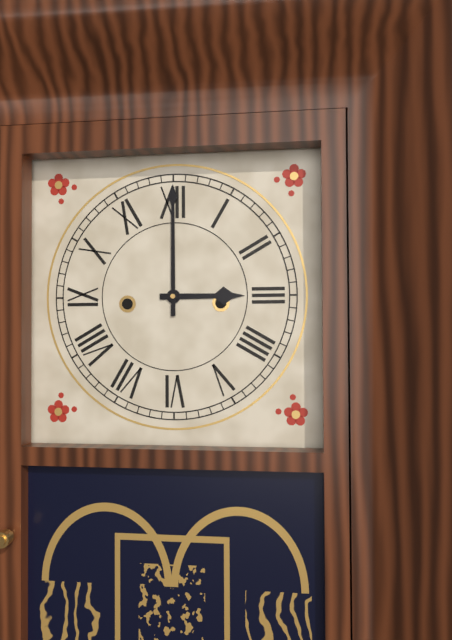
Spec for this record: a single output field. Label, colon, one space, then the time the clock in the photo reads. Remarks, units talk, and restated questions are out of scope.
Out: 3:00
